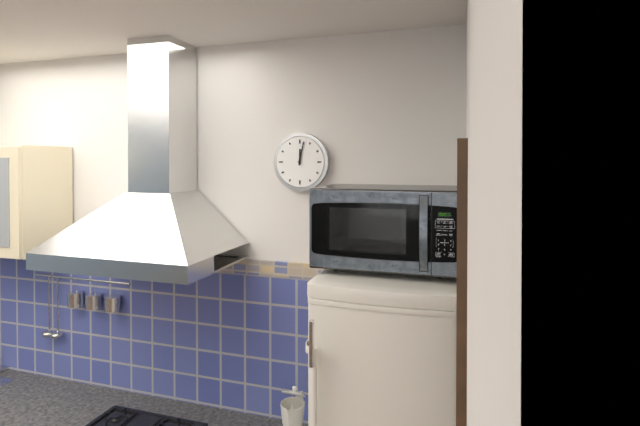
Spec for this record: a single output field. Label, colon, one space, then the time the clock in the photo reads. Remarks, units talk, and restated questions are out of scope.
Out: 12:02
